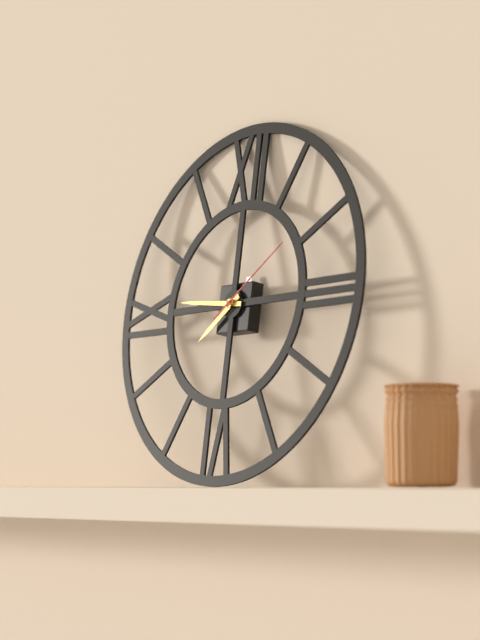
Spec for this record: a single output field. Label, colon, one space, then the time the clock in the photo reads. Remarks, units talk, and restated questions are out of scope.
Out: 7:46:09
